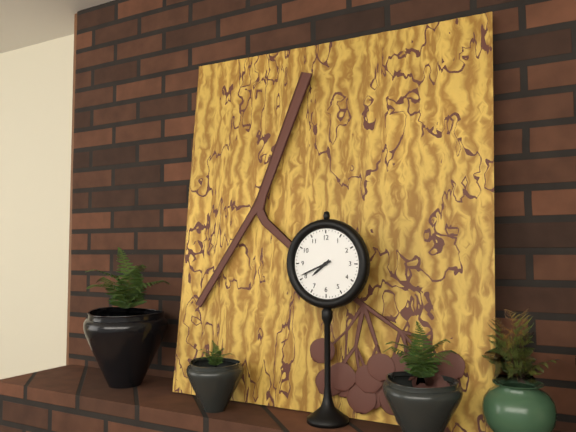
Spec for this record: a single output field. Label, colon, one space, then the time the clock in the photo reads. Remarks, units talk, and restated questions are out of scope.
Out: 7:41
